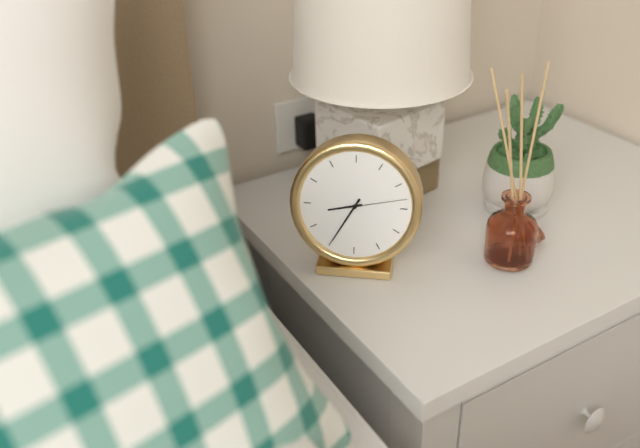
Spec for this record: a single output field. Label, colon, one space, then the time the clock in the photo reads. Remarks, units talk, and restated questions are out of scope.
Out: 8:35:13
